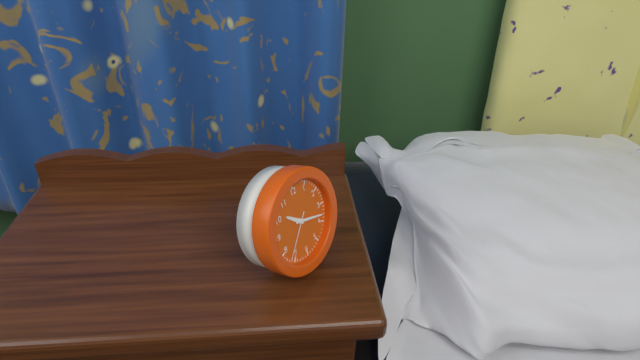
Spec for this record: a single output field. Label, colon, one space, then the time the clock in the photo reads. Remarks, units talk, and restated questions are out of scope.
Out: 10:18
